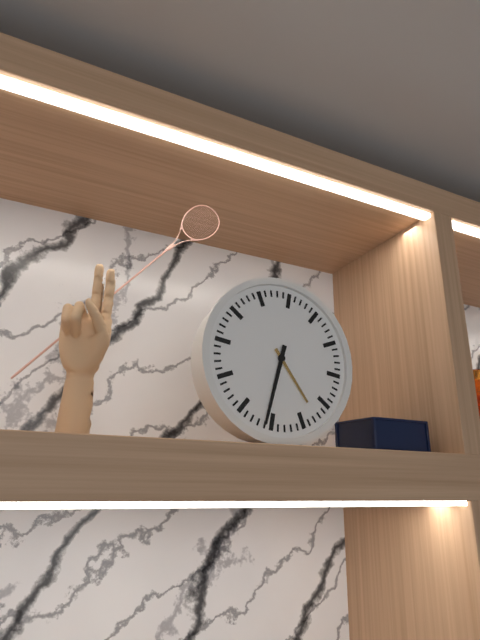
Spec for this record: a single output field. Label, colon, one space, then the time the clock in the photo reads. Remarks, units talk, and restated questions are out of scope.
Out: 4:31
